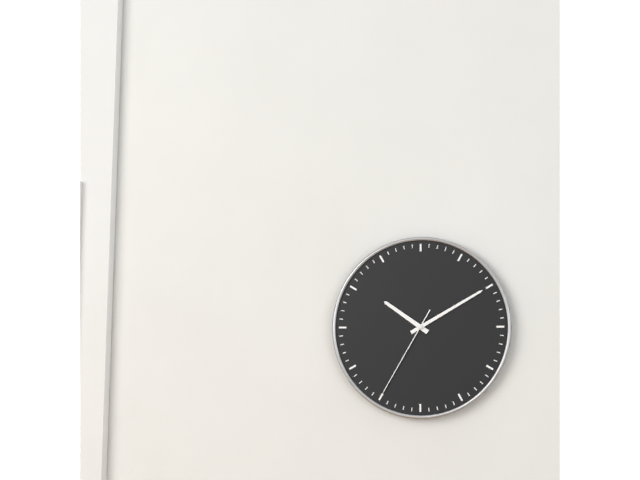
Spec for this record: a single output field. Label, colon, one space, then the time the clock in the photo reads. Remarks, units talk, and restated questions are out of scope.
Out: 10:10:35
